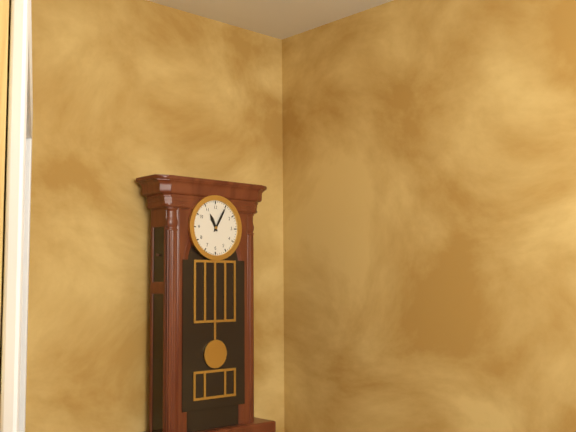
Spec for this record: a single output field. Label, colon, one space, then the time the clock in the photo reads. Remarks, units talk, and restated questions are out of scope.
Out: 11:05
